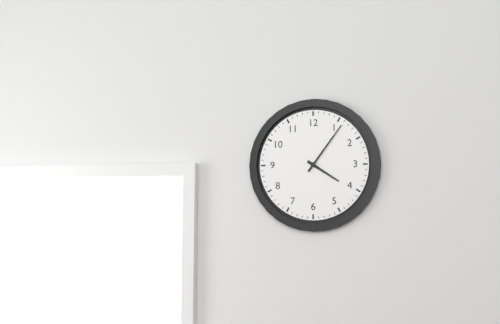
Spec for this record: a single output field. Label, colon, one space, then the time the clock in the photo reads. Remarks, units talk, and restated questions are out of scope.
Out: 4:06
